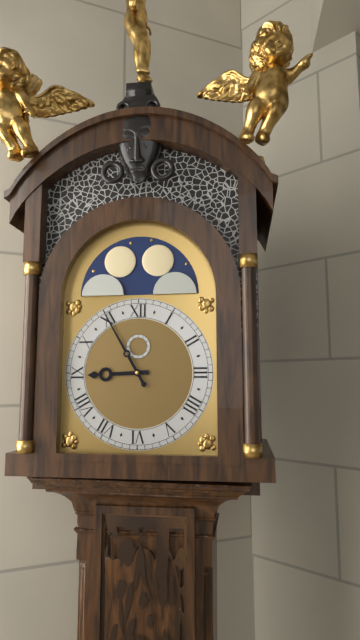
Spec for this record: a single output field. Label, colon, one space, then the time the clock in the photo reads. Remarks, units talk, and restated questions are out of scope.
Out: 8:55
